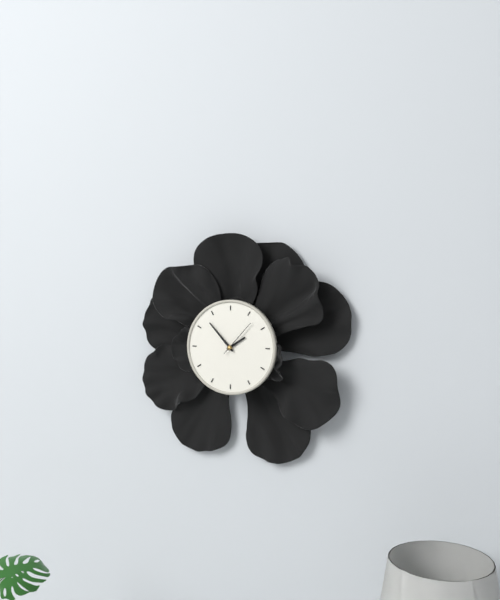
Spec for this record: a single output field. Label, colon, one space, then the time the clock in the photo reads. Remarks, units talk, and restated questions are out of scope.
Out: 1:53
